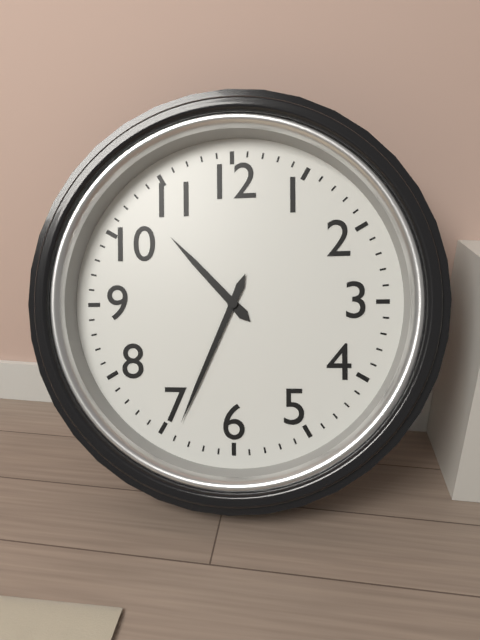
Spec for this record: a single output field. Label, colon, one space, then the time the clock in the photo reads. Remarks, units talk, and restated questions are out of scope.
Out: 10:34
